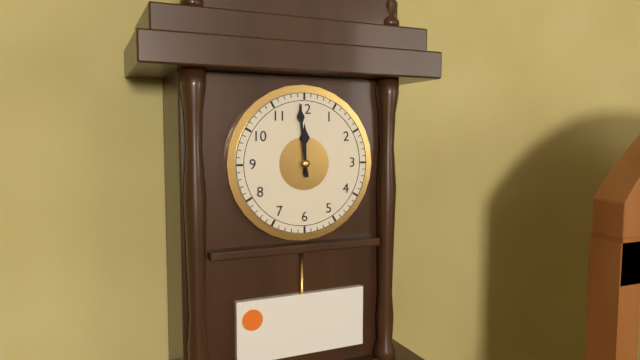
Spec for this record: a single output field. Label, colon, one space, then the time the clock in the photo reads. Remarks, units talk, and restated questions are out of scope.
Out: 11:59
